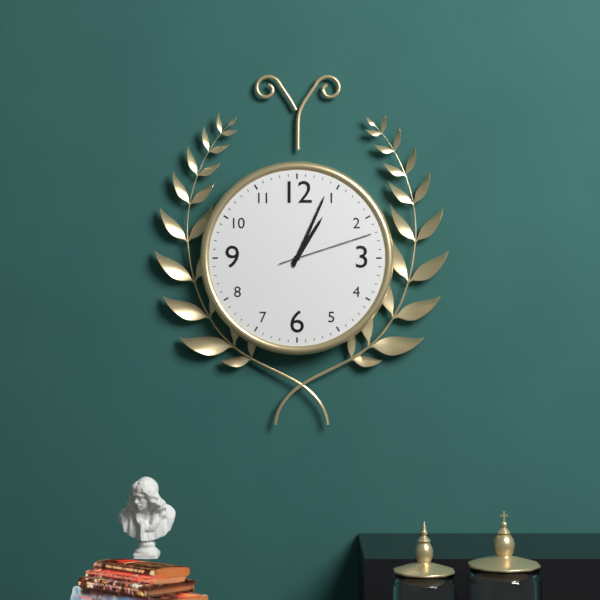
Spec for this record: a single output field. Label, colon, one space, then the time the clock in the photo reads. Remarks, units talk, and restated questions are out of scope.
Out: 1:04:12
